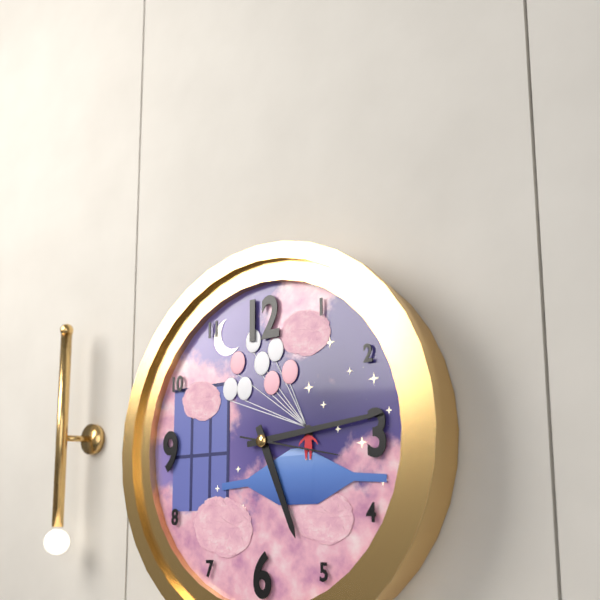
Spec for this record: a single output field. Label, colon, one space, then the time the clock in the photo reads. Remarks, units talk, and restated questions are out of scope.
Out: 5:14:17
